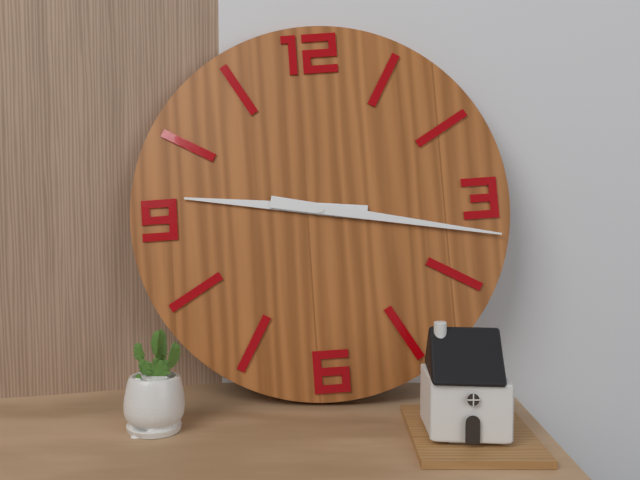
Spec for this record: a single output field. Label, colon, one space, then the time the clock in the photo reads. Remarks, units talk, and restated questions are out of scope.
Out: 9:17
